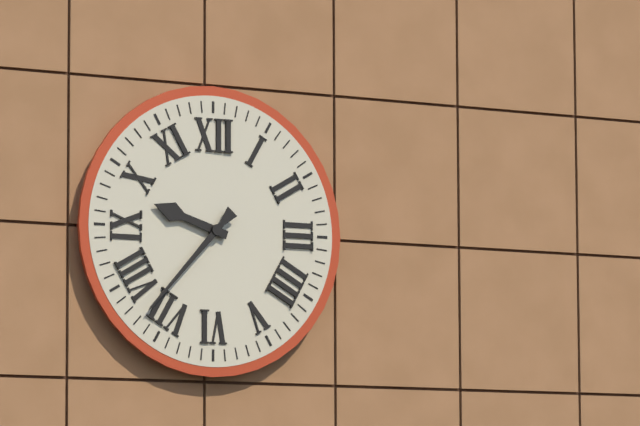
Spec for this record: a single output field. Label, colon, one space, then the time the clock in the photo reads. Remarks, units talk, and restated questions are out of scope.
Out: 9:37
